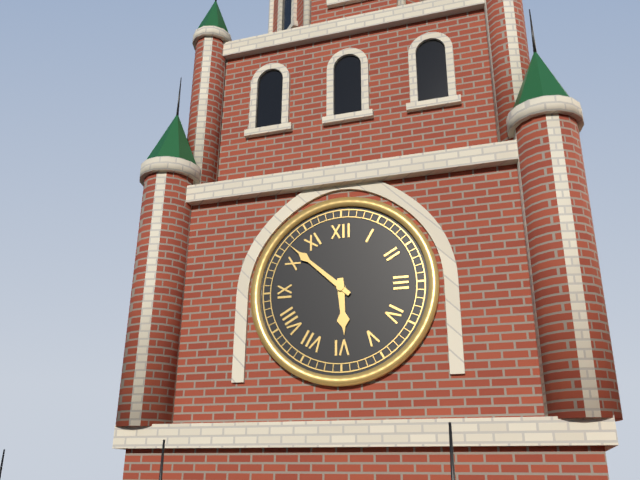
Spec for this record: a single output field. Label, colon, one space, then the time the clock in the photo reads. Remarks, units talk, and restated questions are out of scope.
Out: 5:52
